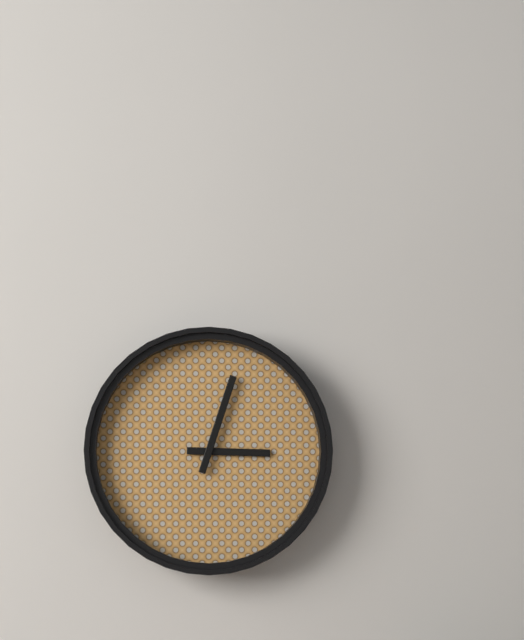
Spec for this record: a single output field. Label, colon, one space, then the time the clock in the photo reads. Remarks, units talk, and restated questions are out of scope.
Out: 3:03
